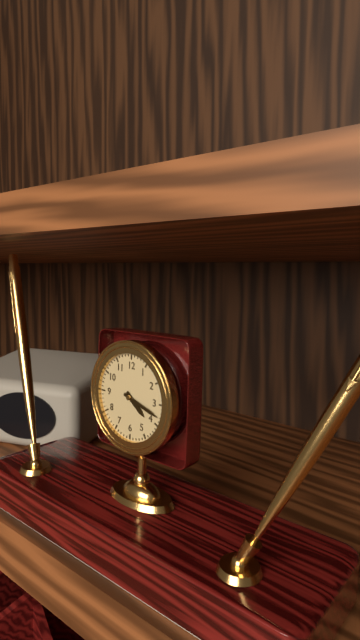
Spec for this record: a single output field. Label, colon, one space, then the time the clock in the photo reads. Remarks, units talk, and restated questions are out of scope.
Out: 4:18
